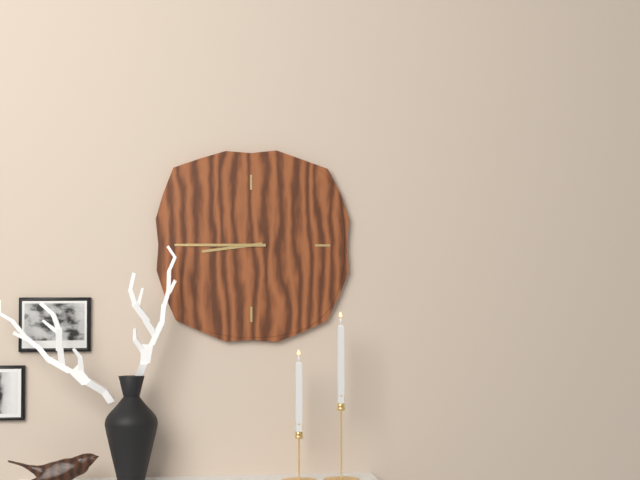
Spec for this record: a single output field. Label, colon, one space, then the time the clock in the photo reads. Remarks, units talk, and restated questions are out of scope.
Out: 8:45
